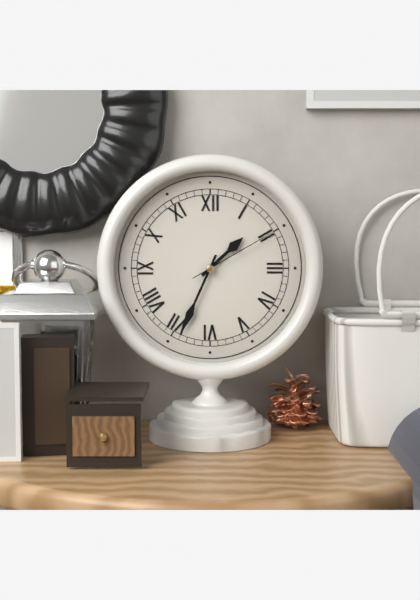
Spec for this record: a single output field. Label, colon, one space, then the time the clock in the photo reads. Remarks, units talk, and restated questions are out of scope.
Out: 1:34:10
